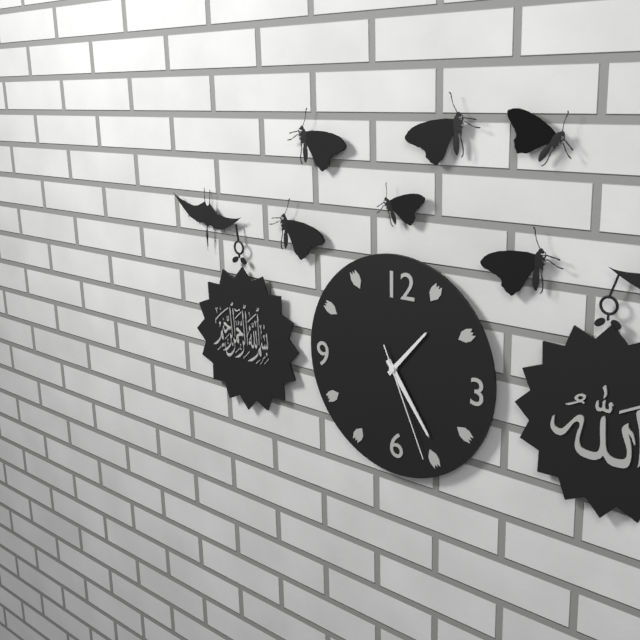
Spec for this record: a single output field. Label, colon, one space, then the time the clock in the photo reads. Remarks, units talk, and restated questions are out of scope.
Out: 1:24:26
